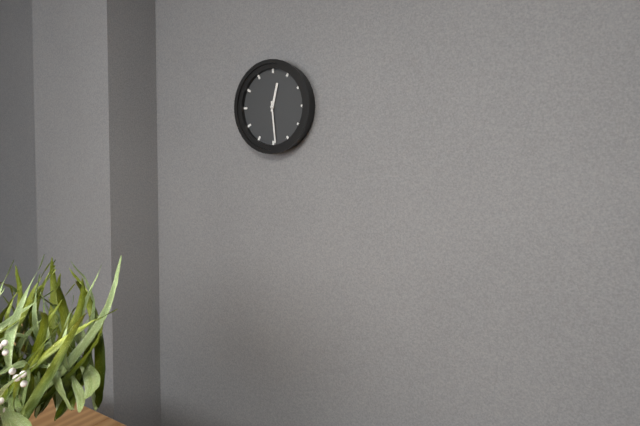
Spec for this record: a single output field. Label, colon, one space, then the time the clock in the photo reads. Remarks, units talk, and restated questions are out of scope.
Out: 12:29
